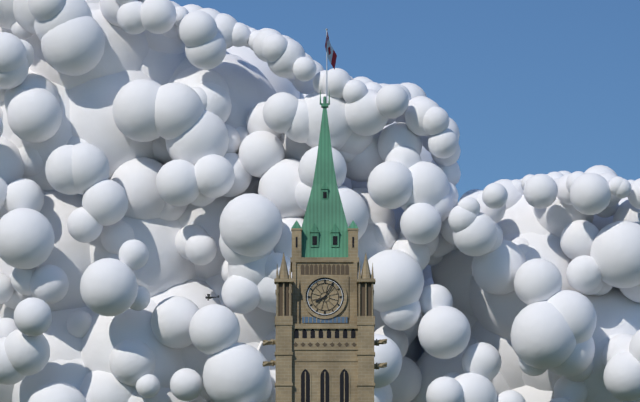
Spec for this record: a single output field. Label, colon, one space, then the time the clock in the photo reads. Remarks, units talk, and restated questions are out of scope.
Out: 8:05
